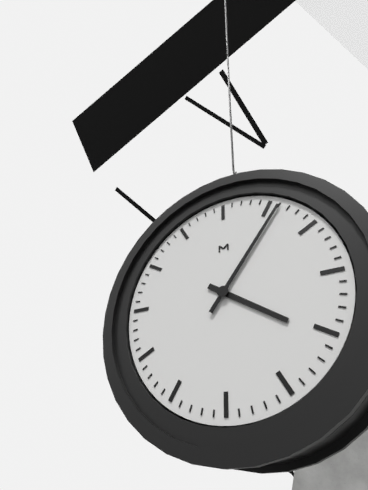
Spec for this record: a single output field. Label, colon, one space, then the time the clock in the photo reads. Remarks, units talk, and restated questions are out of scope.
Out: 4:06
